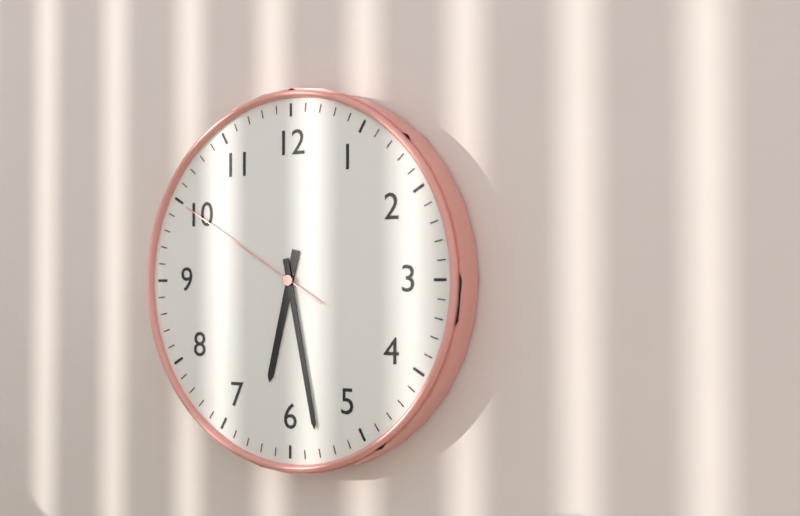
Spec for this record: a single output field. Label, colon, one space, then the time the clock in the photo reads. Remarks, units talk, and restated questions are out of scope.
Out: 6:28:50
